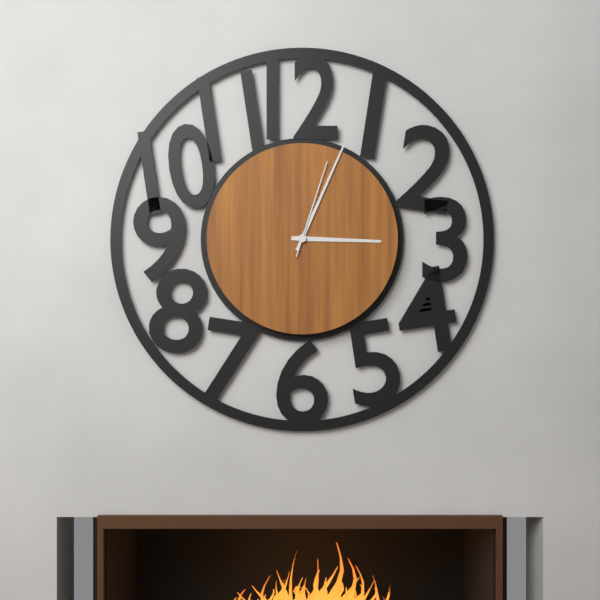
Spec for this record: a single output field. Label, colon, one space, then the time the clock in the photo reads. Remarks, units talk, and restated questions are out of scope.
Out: 3:04:03
